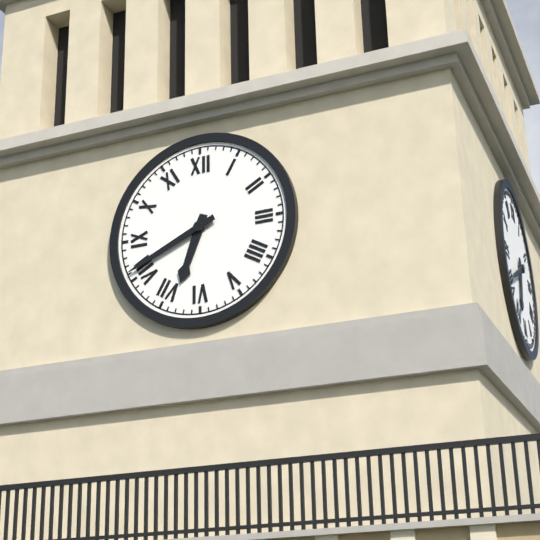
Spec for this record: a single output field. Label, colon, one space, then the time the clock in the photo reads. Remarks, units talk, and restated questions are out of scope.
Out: 6:41
